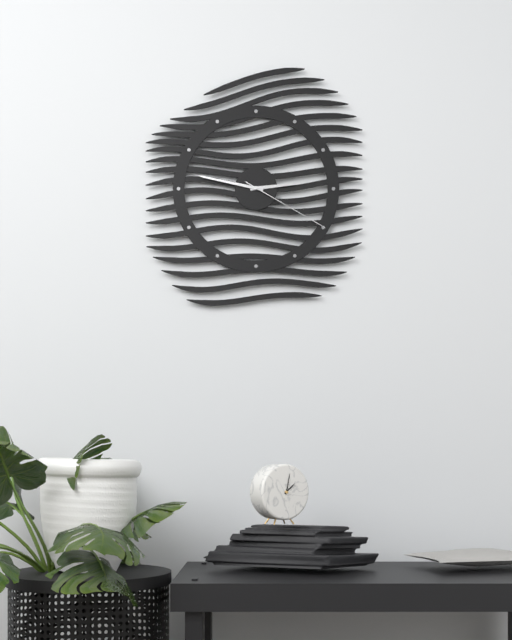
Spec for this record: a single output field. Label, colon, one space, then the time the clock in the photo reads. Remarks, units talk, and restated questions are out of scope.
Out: 2:47:20
